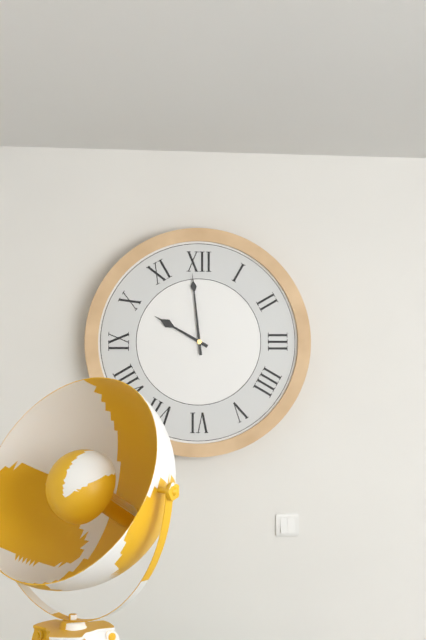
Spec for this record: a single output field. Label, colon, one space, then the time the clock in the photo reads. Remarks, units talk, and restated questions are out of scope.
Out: 9:59
